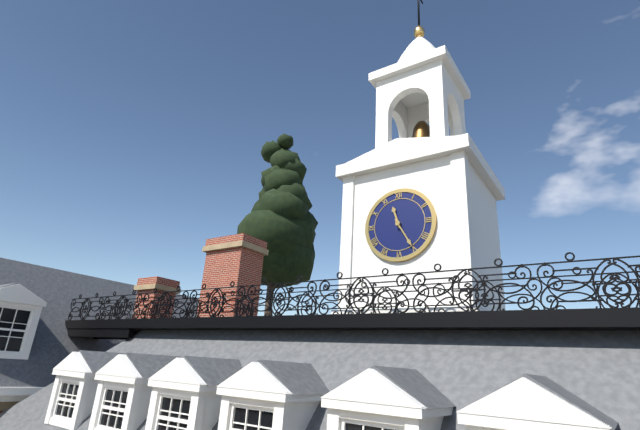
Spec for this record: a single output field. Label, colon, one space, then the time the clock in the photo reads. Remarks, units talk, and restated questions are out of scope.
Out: 11:25
